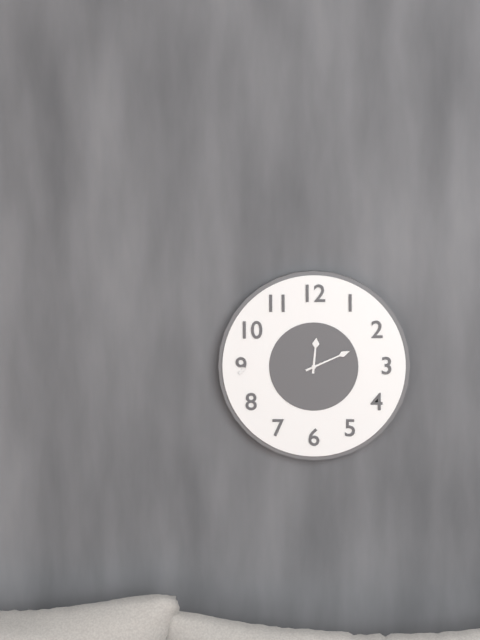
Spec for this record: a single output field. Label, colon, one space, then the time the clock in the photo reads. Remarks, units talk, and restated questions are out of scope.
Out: 12:11
